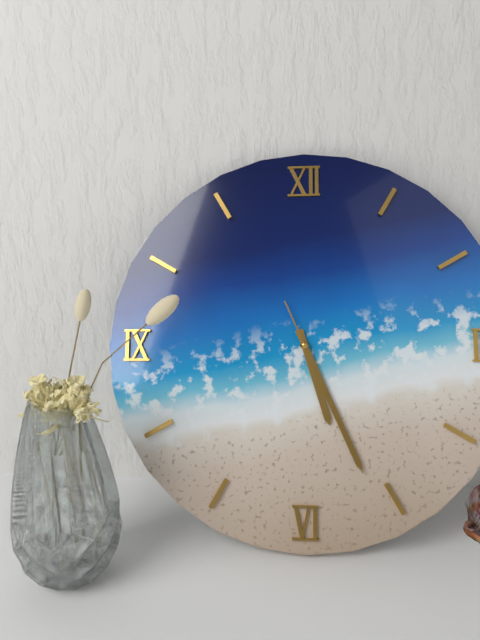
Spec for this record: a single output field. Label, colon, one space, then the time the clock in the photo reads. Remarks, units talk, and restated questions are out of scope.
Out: 5:26:26
